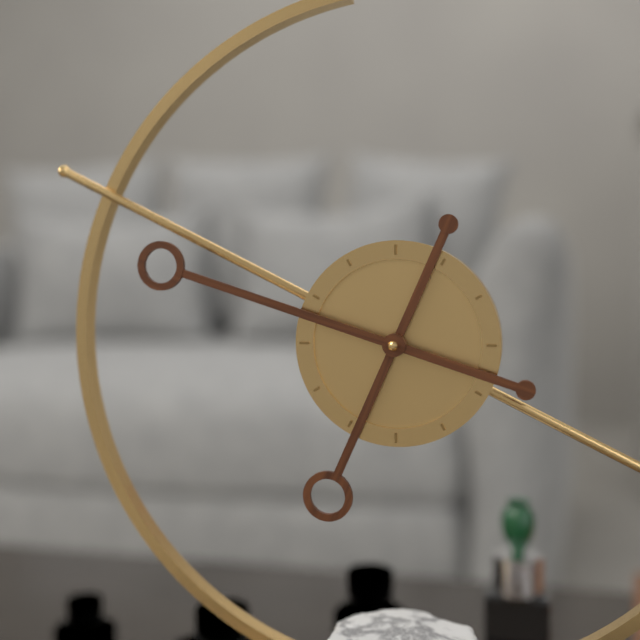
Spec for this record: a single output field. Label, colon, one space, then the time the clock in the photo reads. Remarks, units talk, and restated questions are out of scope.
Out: 6:48
